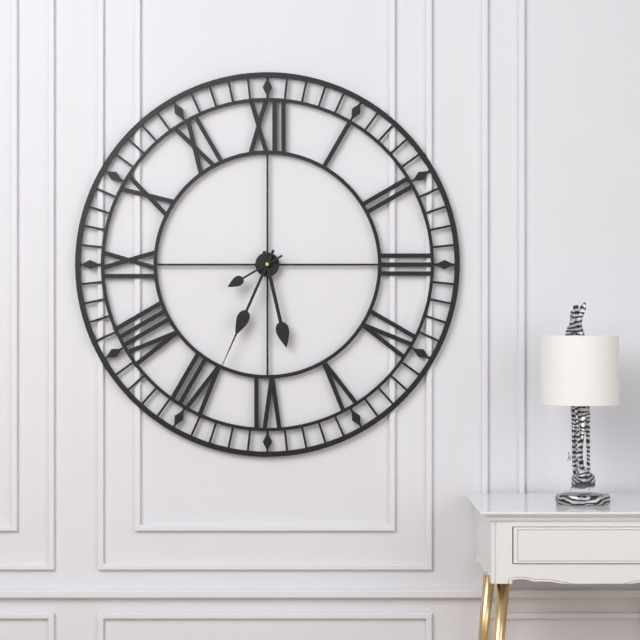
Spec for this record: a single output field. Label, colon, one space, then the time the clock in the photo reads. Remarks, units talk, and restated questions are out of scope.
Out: 5:34:40
